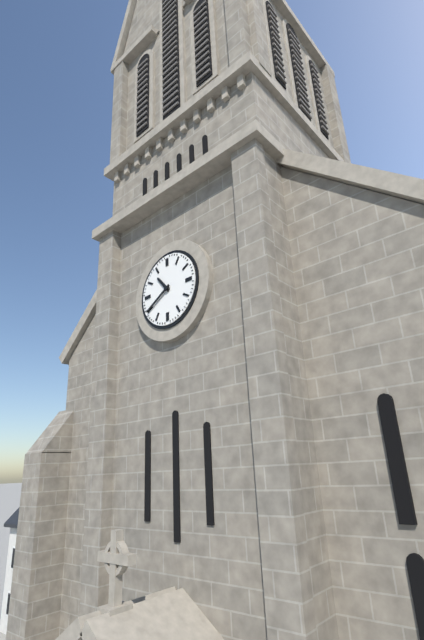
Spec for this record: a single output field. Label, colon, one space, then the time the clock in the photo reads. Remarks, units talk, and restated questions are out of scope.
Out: 10:40
